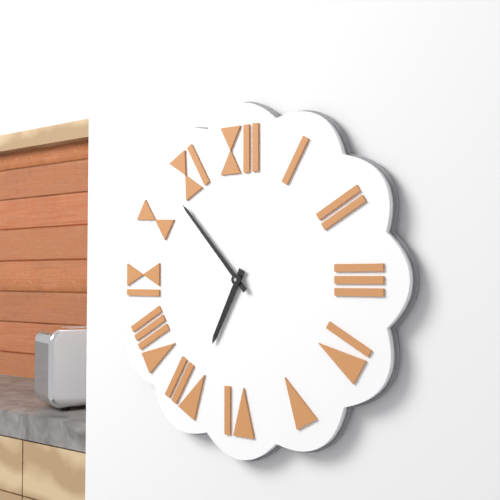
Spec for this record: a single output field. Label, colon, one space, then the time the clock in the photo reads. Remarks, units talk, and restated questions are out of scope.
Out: 6:53
